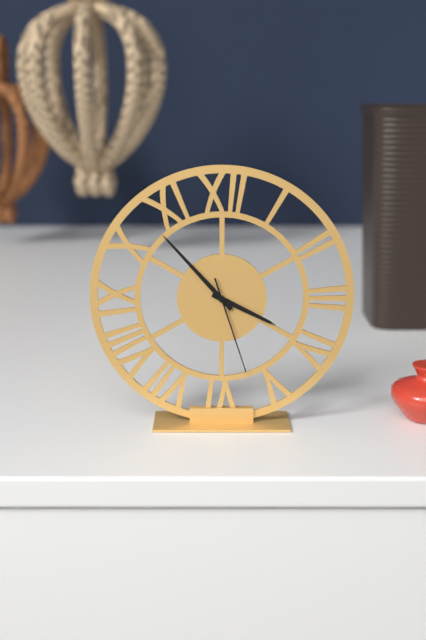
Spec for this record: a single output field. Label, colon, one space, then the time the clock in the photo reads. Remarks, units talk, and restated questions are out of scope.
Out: 3:53:27
